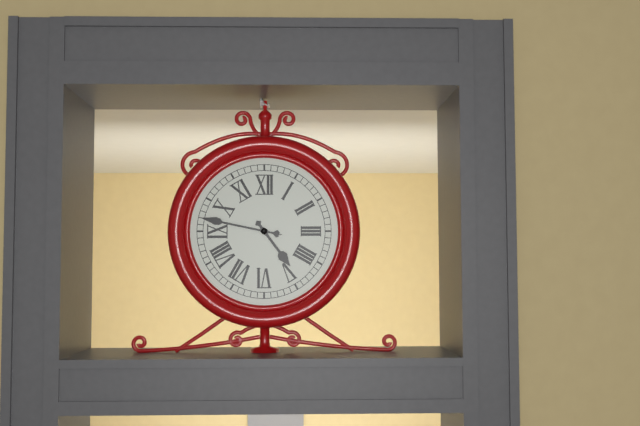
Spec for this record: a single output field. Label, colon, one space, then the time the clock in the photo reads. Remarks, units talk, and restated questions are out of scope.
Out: 4:47
